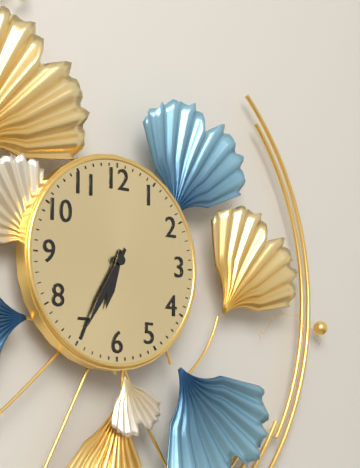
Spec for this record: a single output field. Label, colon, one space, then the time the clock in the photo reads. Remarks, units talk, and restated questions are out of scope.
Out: 6:35
